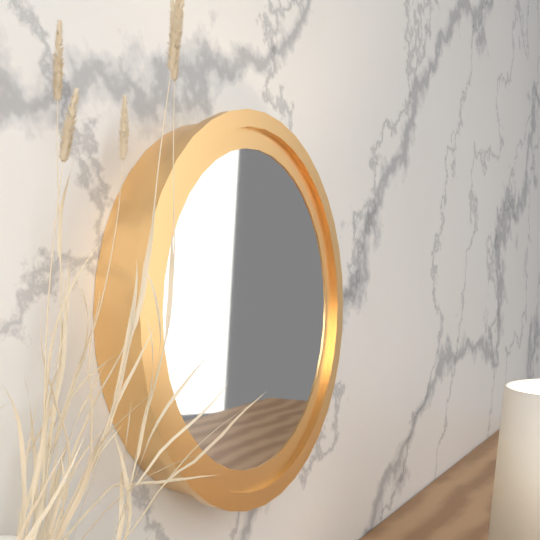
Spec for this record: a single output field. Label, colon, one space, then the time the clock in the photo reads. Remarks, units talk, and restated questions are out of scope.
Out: 9:45:45
